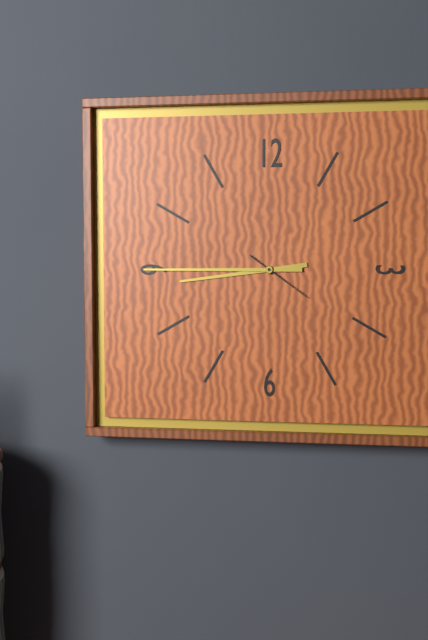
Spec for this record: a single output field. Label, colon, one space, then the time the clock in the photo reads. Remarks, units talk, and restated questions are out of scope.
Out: 8:45:21
